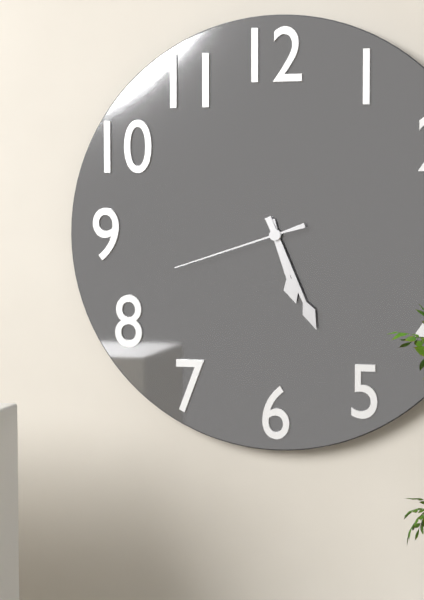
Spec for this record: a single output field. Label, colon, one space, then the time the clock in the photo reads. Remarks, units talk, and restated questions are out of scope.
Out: 5:26:42
